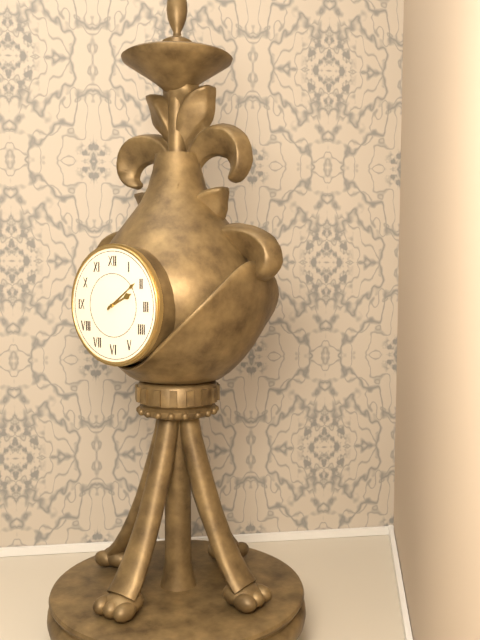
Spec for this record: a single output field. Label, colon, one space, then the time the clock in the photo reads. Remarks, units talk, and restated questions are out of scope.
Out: 2:09
